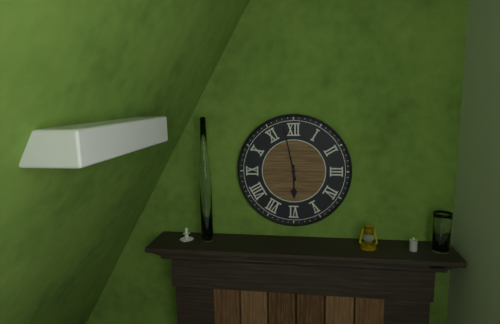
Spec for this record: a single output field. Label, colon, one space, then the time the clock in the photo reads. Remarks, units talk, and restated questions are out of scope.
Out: 5:58
